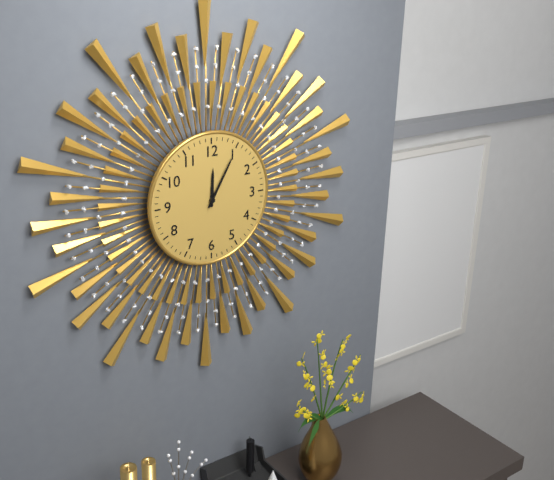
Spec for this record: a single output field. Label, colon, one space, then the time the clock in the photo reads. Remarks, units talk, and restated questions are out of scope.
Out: 12:05
